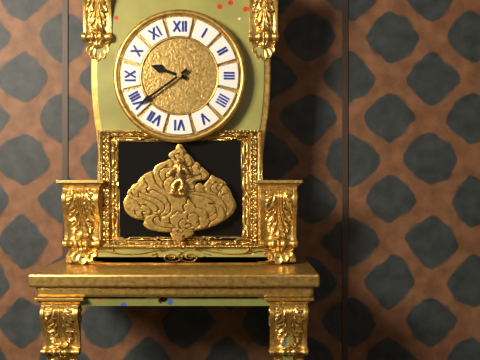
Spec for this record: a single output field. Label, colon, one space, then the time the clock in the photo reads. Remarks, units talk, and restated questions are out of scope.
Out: 9:39
